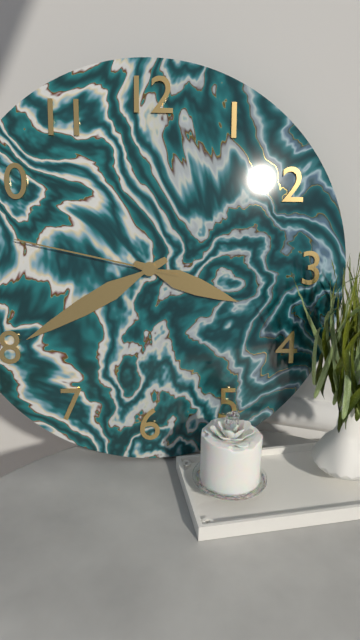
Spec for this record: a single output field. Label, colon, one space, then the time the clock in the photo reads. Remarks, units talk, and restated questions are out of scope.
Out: 3:40:47
